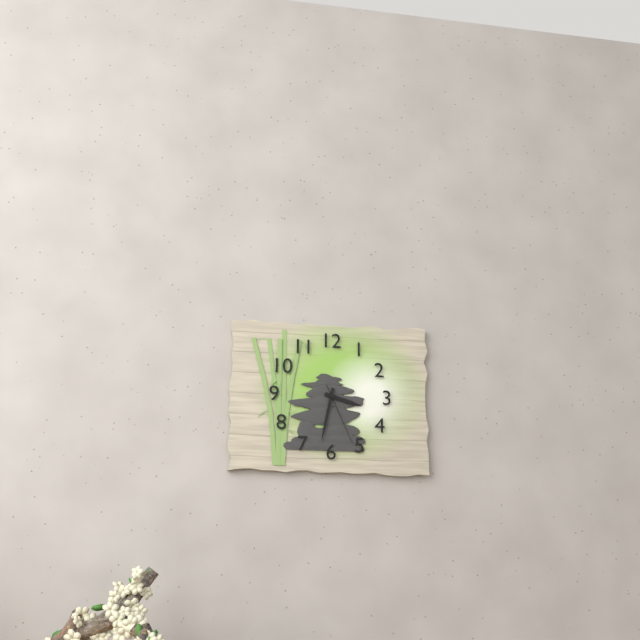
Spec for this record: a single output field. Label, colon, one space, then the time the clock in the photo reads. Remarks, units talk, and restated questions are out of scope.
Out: 3:32:26
